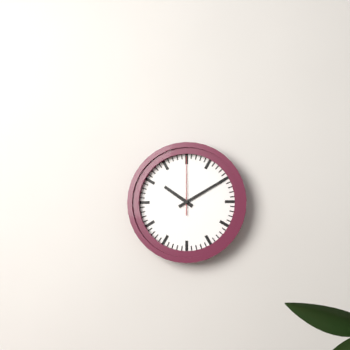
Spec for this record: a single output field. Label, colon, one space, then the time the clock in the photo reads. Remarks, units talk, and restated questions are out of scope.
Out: 10:10:00
